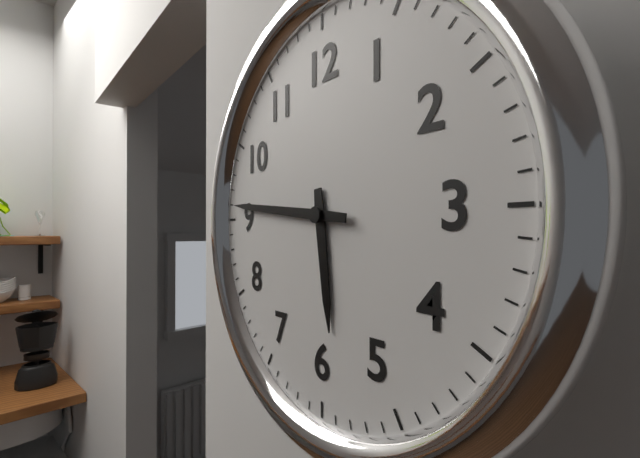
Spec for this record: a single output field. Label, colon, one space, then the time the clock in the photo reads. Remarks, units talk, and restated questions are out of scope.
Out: 5:46
